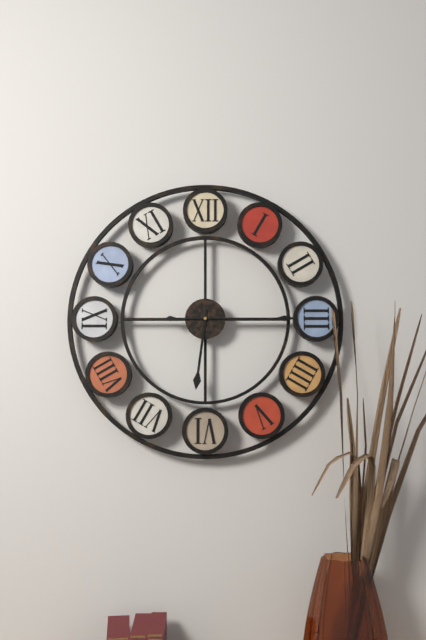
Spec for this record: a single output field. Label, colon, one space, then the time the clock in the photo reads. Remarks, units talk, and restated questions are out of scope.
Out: 6:15
